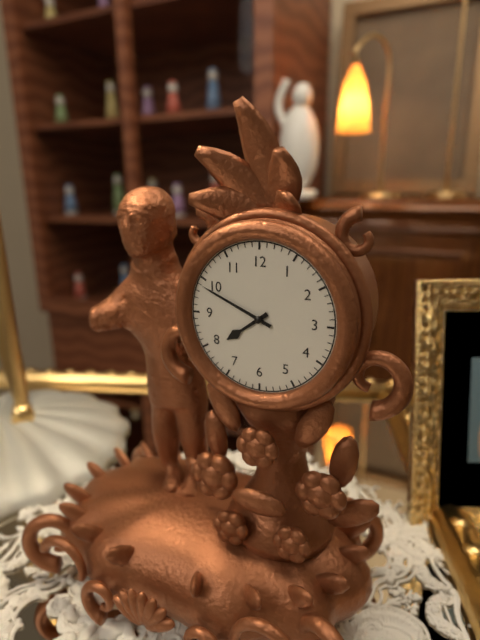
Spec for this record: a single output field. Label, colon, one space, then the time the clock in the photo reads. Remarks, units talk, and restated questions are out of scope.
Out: 7:49
